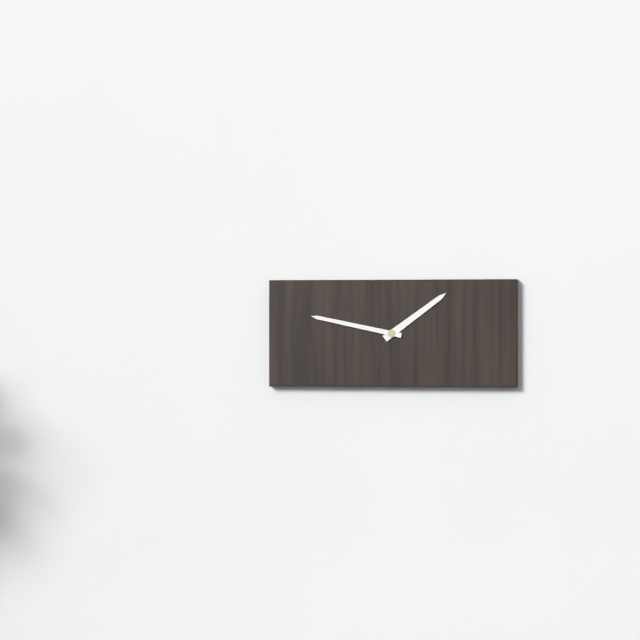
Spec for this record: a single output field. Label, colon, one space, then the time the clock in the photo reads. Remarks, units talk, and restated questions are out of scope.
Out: 1:47
